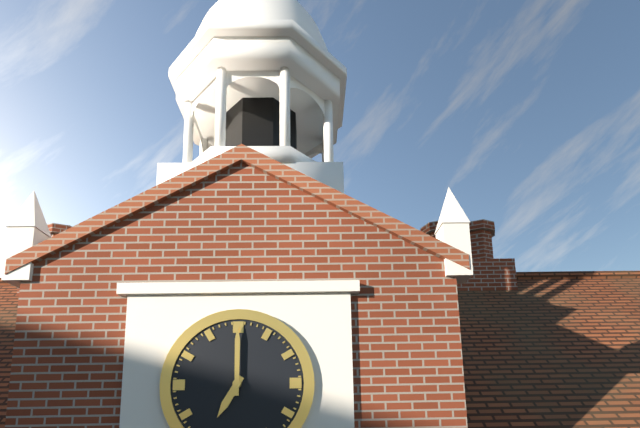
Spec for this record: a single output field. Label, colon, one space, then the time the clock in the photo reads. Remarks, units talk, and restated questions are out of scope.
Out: 7:00
